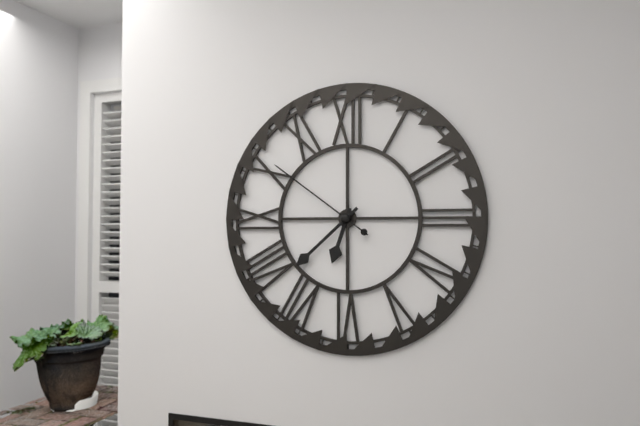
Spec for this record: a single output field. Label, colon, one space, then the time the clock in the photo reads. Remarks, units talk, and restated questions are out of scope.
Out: 6:38:51
